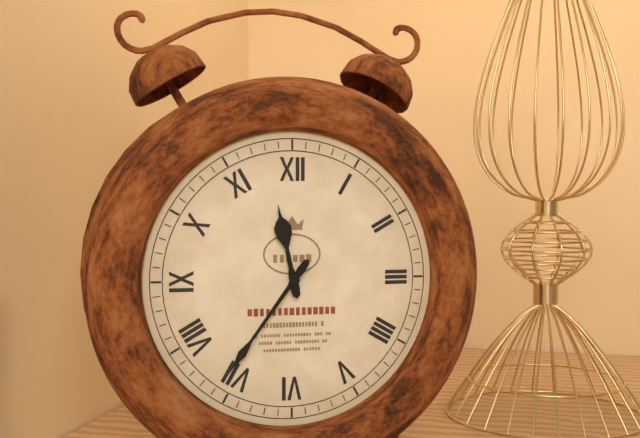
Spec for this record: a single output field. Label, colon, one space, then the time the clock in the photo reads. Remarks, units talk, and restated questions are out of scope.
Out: 11:36
